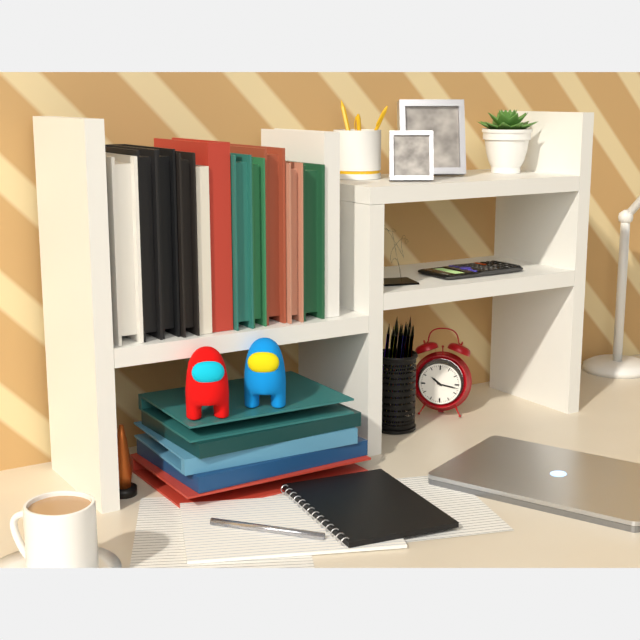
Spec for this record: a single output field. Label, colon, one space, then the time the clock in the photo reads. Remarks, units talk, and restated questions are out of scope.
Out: 10:17
